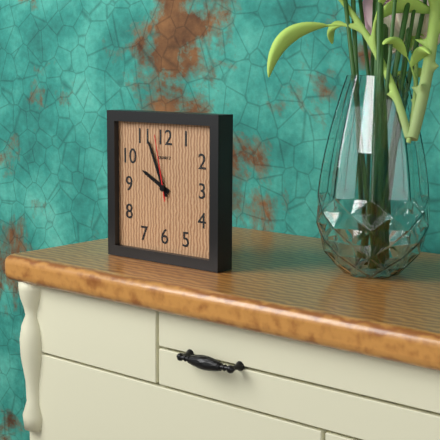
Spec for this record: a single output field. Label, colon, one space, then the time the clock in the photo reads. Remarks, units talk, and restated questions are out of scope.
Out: 9:56:58
